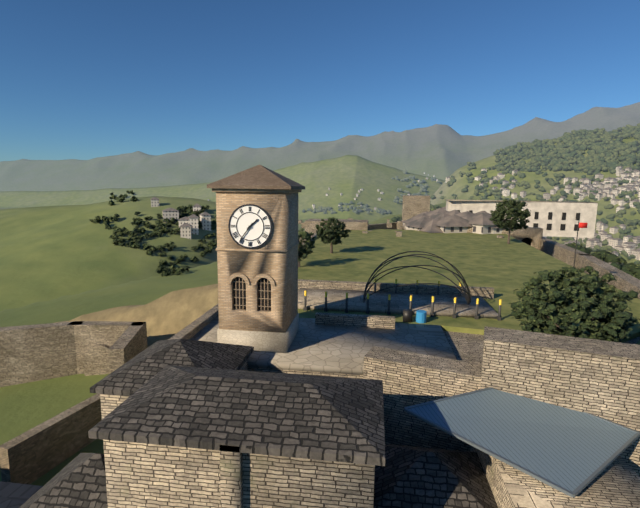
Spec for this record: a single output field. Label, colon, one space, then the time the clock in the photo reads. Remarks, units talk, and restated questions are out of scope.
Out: 1:36
